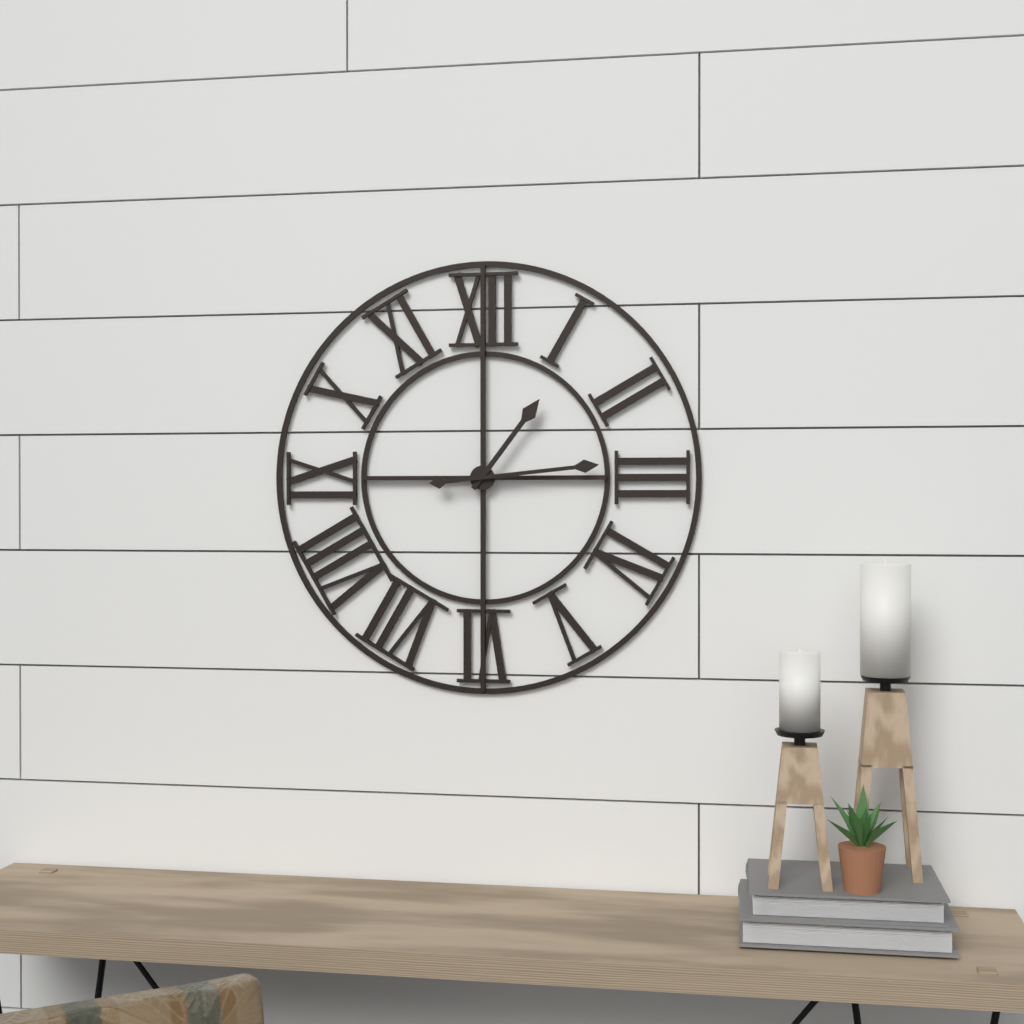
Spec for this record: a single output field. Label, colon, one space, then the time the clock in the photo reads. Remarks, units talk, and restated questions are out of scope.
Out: 1:14
